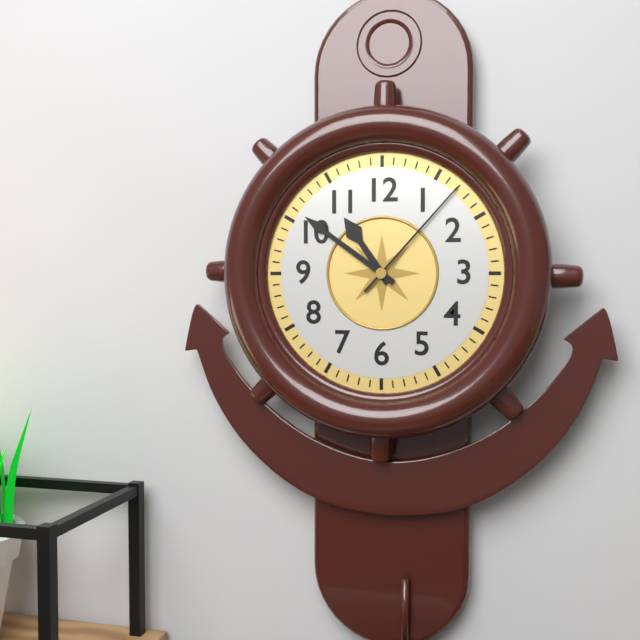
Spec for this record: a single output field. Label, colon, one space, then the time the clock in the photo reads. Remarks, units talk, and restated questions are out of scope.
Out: 10:51:07
